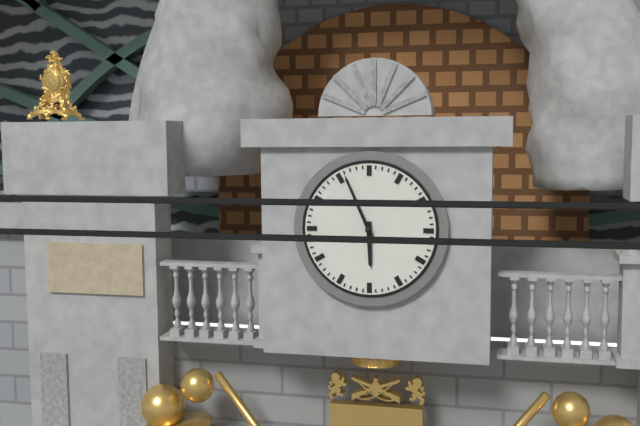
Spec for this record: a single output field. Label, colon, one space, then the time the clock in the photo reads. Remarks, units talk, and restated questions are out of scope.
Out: 5:56
